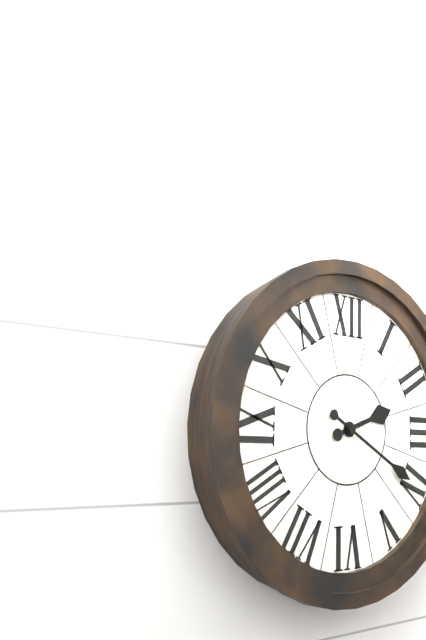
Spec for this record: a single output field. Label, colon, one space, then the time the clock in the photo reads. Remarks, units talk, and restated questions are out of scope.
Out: 2:20
